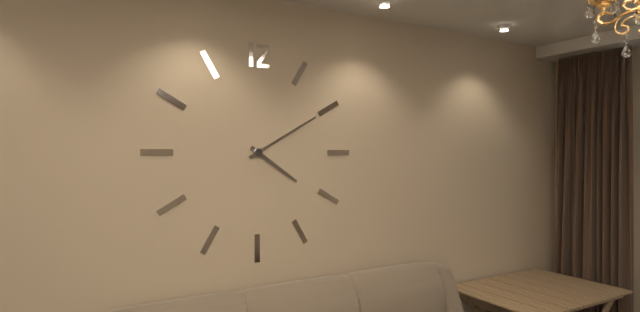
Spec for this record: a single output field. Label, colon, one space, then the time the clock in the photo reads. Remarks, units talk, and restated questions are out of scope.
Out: 4:10
